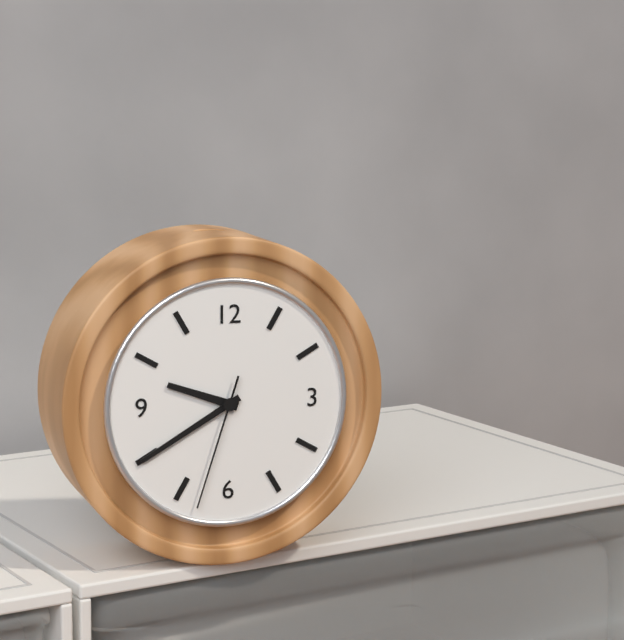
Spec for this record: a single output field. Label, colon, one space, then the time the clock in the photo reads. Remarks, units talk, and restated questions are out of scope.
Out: 9:40:33
